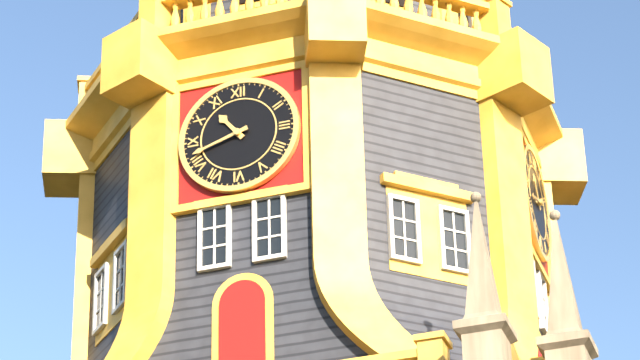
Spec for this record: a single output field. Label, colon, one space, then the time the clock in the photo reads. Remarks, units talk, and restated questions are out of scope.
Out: 10:42
